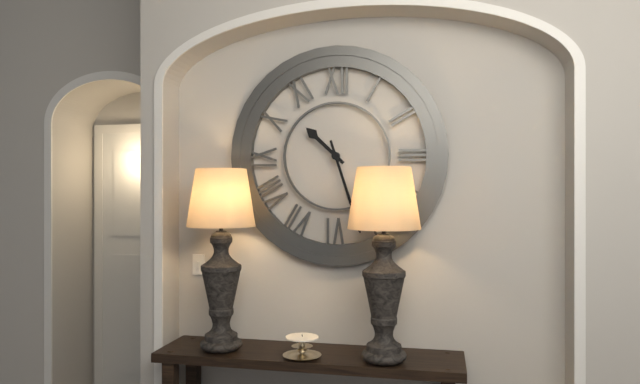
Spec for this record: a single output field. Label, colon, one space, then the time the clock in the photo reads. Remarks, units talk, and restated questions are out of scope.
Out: 10:27
